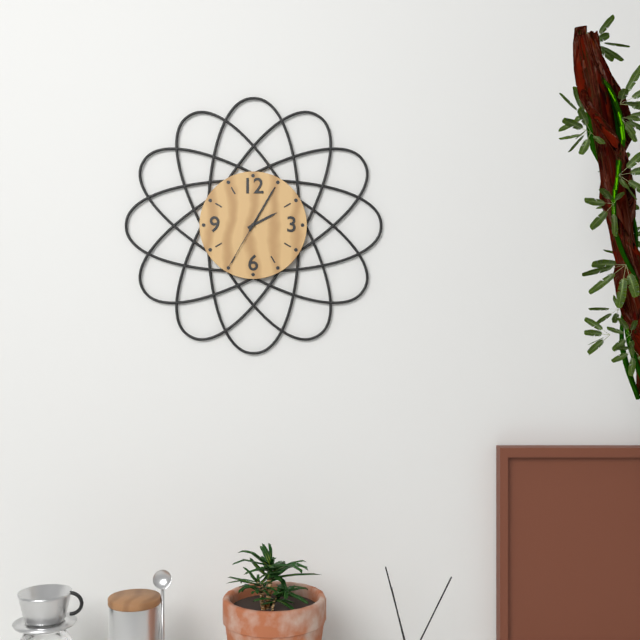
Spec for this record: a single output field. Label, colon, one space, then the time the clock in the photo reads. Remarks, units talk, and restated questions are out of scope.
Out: 2:05:35
